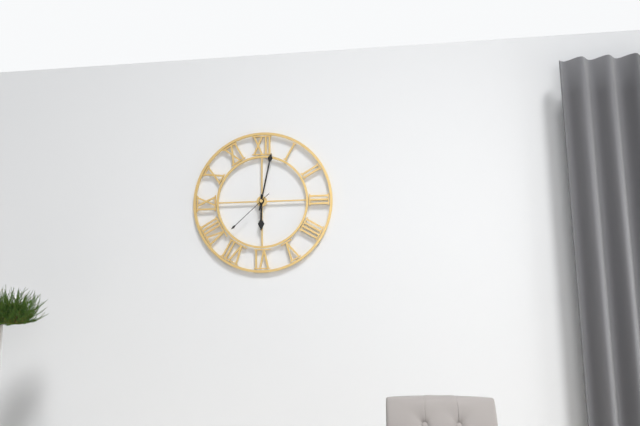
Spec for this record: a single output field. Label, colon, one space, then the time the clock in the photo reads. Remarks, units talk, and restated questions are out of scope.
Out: 6:02:38
